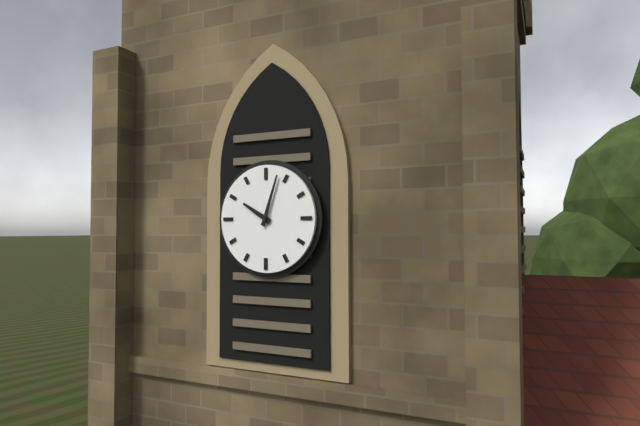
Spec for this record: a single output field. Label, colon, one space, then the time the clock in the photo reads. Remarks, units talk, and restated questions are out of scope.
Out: 10:03
